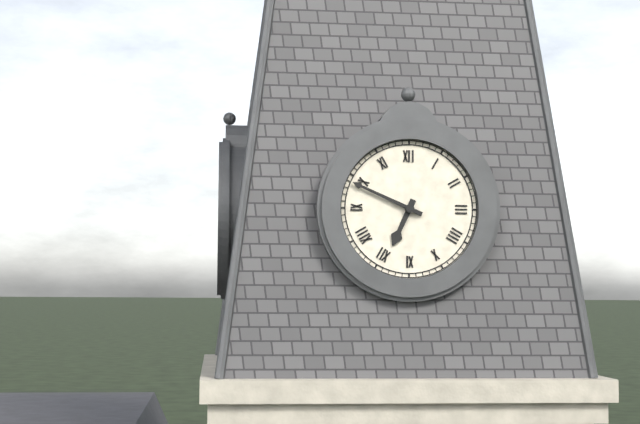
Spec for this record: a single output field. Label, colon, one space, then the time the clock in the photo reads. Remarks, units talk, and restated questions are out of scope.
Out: 6:49
